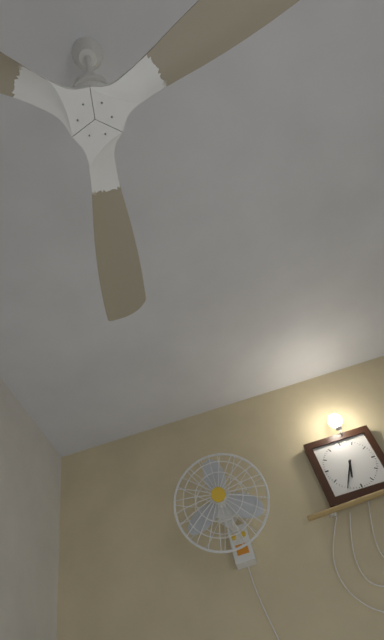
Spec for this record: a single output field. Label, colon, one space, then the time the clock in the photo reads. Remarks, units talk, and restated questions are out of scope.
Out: 6:35
